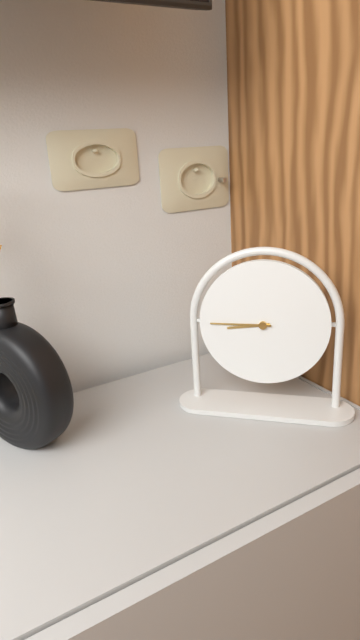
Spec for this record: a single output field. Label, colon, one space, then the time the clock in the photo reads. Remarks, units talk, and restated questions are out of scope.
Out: 8:45
